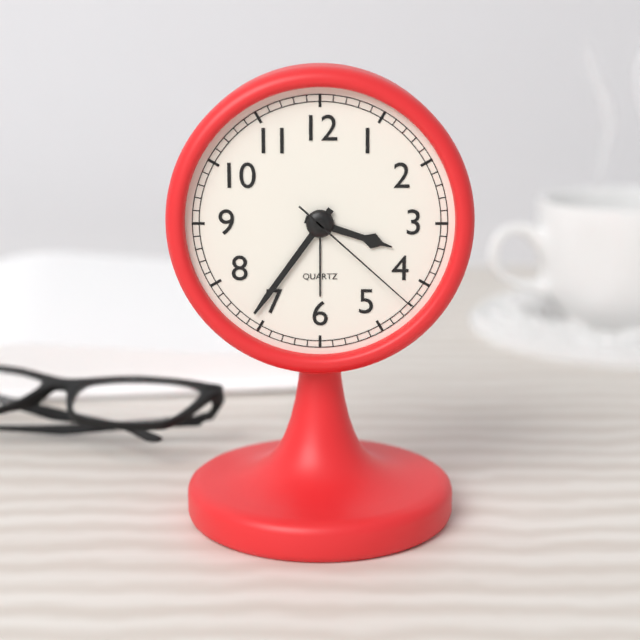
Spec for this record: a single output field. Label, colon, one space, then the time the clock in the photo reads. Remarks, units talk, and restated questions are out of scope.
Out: 3:36:22
